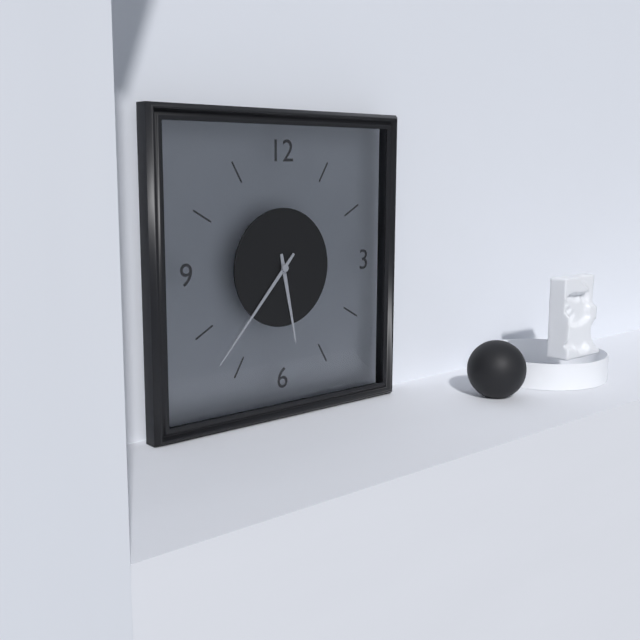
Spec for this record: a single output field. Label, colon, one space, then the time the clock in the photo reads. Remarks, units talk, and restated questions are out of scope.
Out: 5:37
